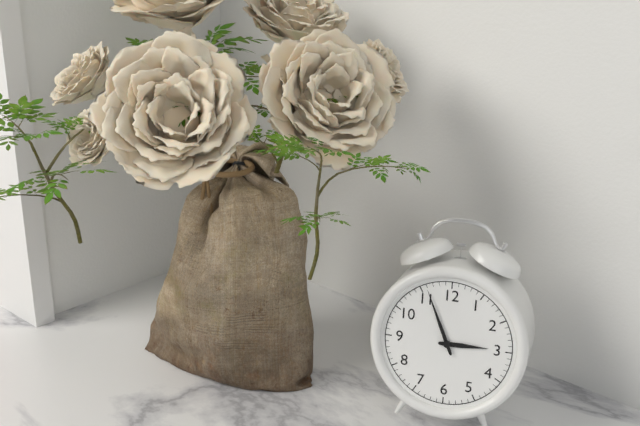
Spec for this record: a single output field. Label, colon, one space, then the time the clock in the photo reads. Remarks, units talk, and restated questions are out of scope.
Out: 2:56
